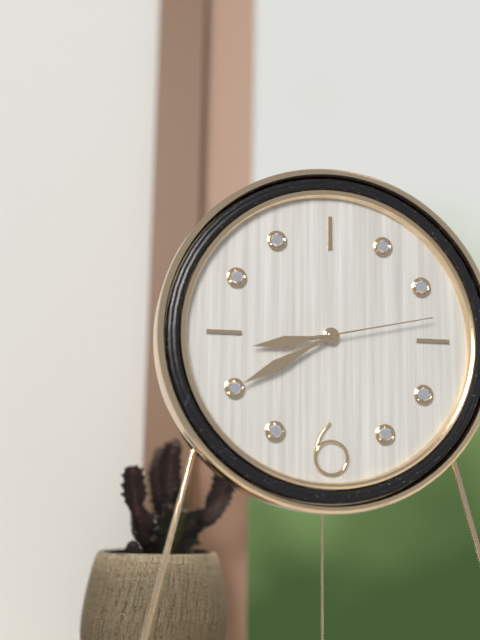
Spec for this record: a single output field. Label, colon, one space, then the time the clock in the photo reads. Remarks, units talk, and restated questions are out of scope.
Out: 8:40:13
